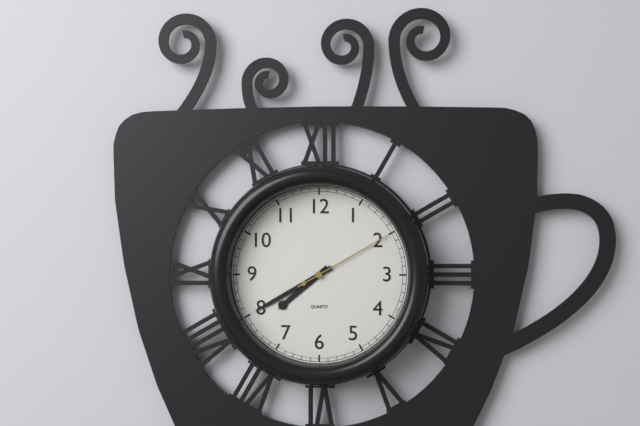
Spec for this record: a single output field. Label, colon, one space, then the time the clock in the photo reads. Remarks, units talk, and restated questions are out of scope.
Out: 7:40:10
